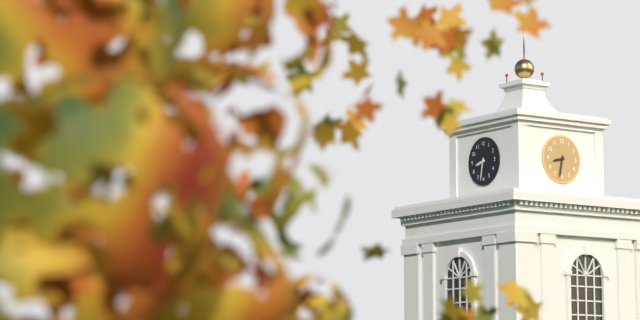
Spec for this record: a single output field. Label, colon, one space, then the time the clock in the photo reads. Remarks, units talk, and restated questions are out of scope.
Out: 8:32
